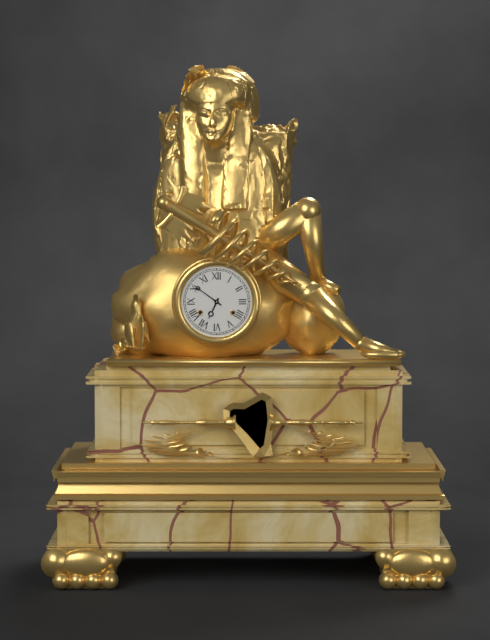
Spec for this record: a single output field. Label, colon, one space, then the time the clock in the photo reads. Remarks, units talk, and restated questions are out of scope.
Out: 6:51
